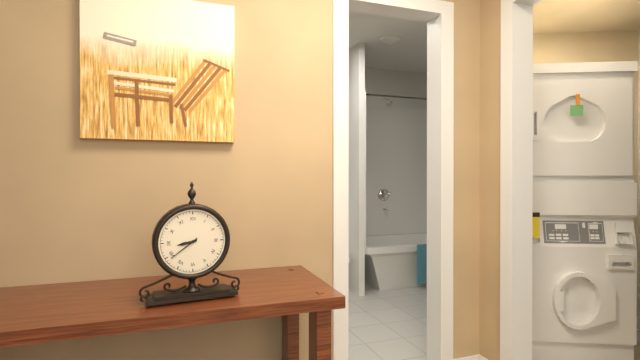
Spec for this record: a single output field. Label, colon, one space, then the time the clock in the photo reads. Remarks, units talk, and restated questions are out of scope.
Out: 8:39
